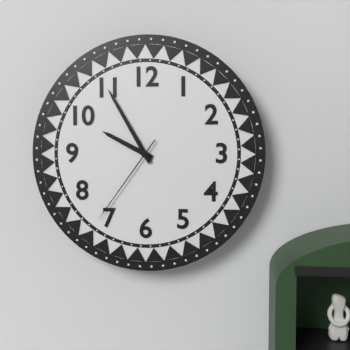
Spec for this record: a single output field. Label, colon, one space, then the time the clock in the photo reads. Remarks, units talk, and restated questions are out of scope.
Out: 9:55:36
